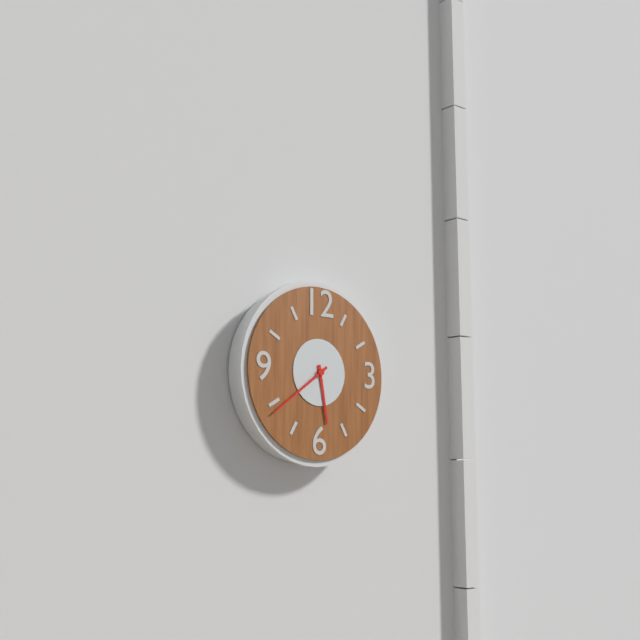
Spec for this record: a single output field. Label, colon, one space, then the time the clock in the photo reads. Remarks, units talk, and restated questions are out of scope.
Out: 5:39
